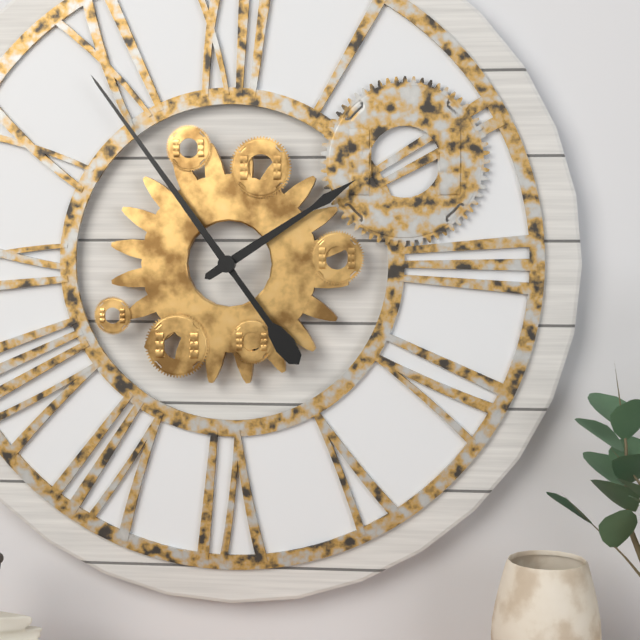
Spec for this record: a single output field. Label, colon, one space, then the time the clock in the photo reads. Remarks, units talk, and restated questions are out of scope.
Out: 1:54
